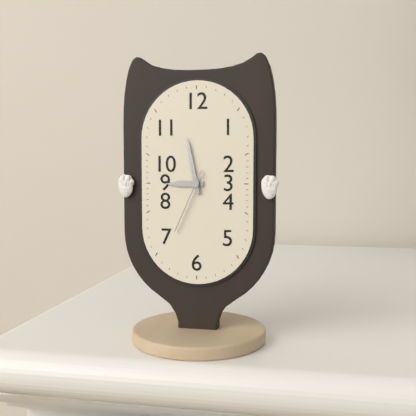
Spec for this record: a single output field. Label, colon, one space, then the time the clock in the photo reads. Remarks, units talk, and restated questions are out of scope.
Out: 8:58:34
